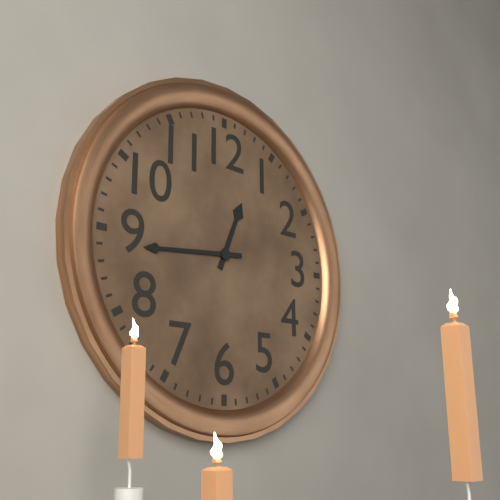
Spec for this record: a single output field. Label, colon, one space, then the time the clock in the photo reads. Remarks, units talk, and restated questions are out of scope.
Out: 12:44
